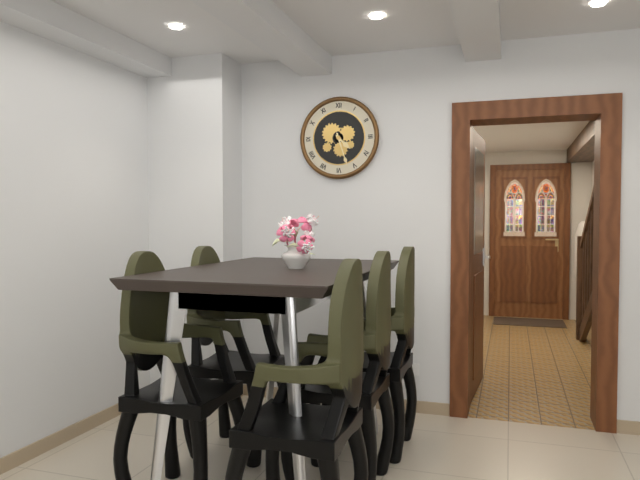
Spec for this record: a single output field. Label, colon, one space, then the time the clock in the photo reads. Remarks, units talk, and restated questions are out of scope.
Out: 4:27
